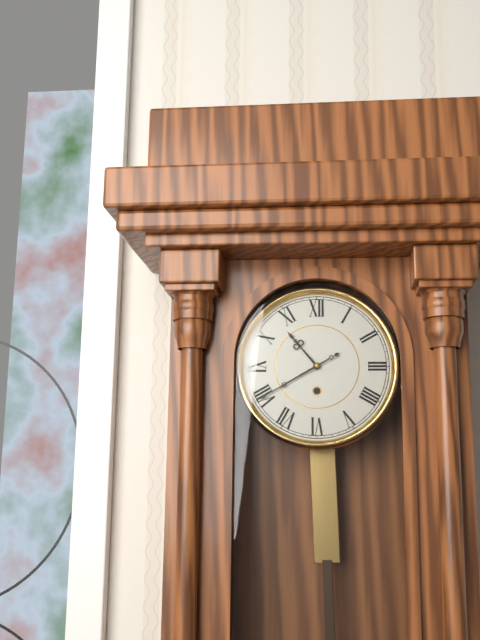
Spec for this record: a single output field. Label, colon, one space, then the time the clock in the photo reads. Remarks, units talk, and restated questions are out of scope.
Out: 10:40
